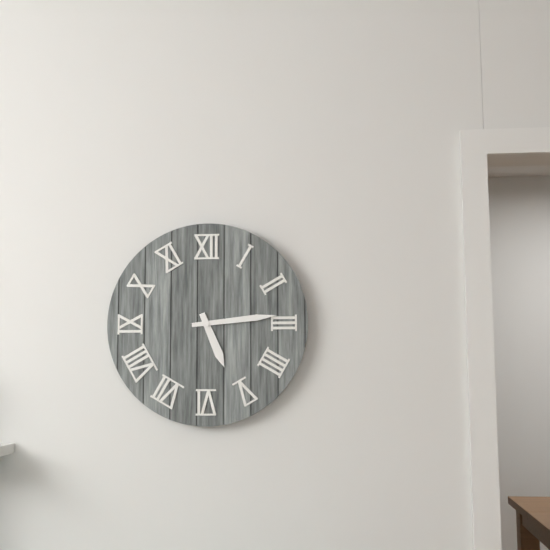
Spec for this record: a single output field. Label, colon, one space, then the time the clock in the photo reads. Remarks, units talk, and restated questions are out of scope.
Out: 5:14
